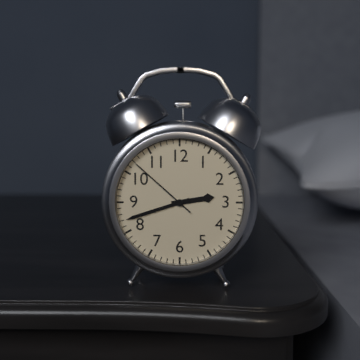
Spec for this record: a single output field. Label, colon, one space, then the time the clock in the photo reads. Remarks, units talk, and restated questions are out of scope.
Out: 2:42:52
